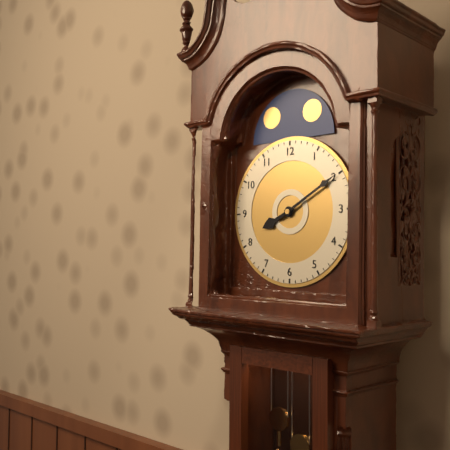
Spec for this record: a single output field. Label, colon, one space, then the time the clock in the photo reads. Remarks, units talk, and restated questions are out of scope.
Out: 8:10
